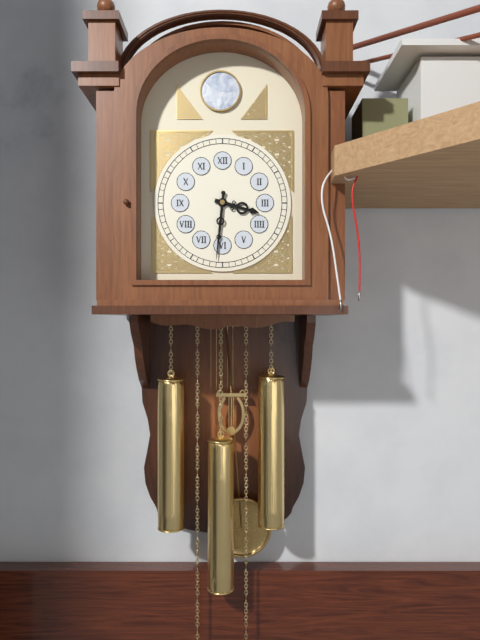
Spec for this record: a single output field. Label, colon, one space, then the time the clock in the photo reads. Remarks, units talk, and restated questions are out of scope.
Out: 3:31
